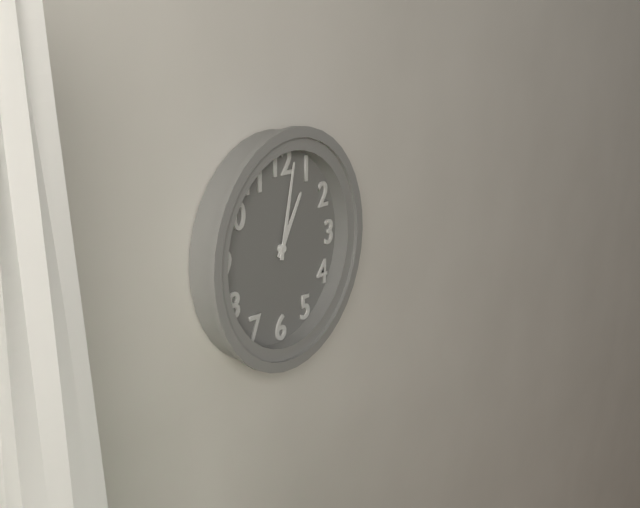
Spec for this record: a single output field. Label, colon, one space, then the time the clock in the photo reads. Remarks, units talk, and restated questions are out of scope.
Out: 1:02
